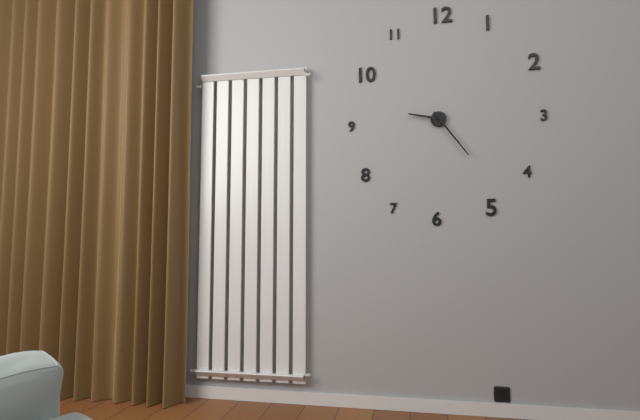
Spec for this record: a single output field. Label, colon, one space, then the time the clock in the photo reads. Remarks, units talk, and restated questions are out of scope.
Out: 9:24
